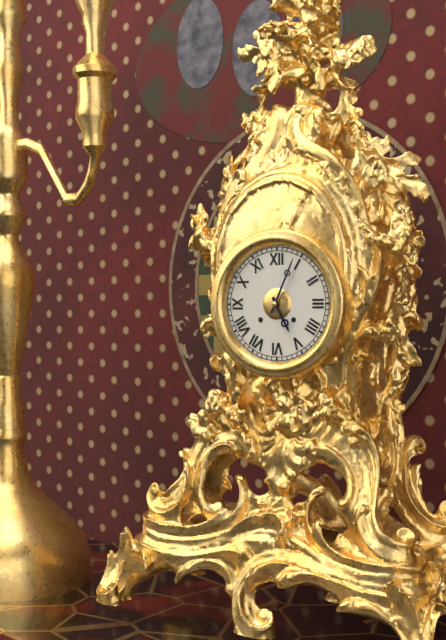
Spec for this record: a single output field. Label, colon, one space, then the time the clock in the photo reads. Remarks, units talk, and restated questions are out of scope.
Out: 5:04
